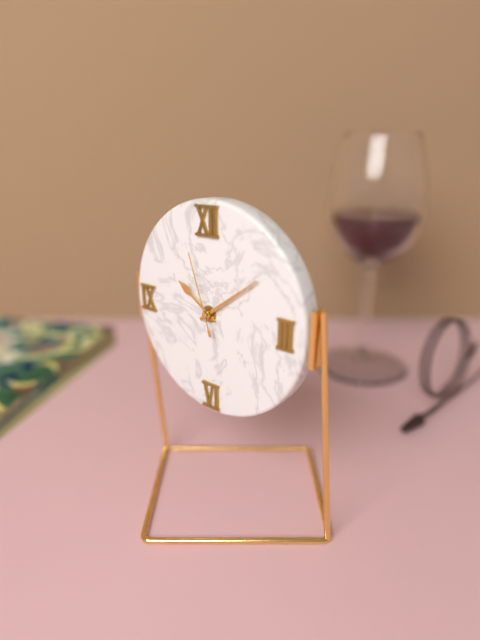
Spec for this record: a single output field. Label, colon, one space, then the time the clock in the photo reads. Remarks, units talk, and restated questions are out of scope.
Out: 10:09:57
